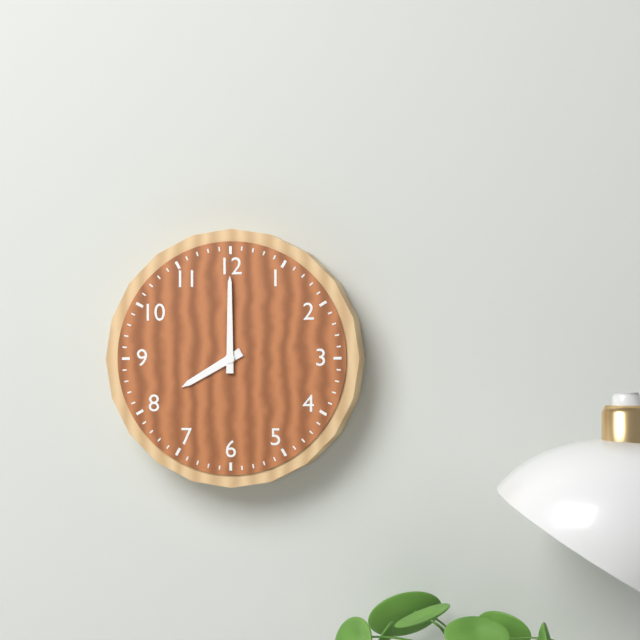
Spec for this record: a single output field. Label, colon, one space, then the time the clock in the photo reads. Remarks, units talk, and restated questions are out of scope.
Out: 8:00
